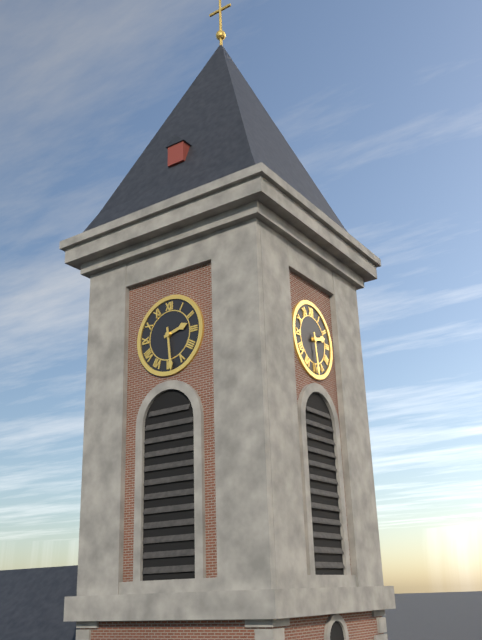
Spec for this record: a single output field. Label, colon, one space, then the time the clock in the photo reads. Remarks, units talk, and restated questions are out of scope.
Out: 2:29
